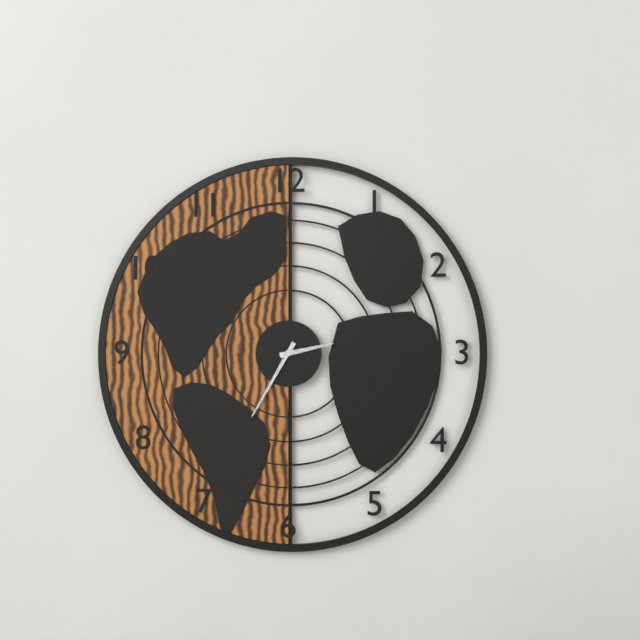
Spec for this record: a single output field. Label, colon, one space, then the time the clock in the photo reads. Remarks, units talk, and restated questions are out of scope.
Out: 2:35
